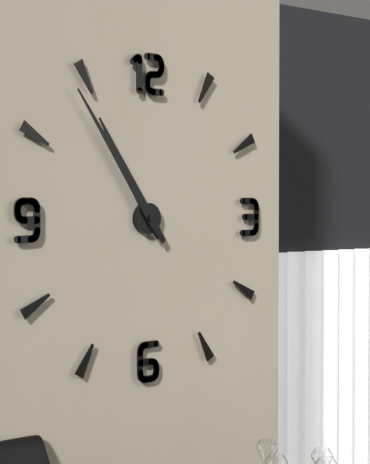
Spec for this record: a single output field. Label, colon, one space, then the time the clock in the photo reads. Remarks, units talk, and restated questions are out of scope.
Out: 10:54
